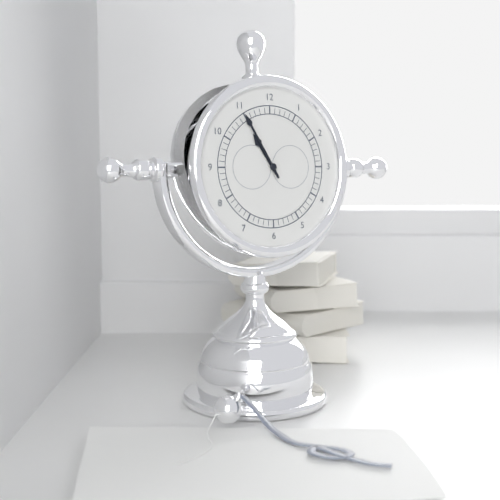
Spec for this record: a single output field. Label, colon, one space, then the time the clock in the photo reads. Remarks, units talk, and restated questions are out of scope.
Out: 10:55
